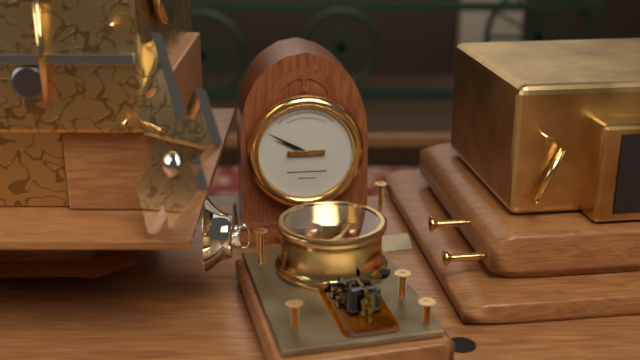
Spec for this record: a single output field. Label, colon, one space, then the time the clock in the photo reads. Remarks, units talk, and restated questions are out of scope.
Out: 9:50
